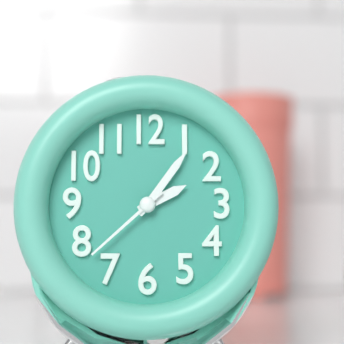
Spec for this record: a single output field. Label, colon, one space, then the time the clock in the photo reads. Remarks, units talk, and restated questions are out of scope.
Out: 2:06:38
